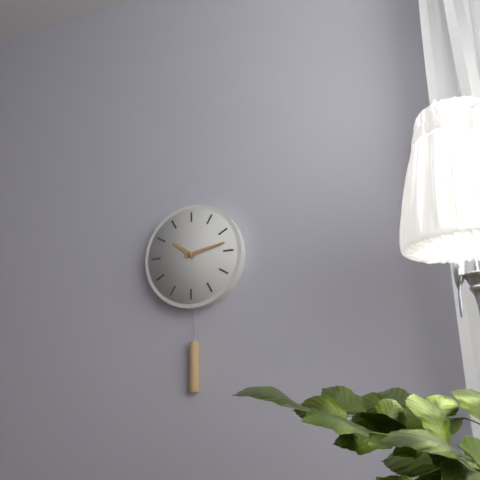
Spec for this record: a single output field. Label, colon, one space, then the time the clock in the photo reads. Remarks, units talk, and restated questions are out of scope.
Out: 10:13
